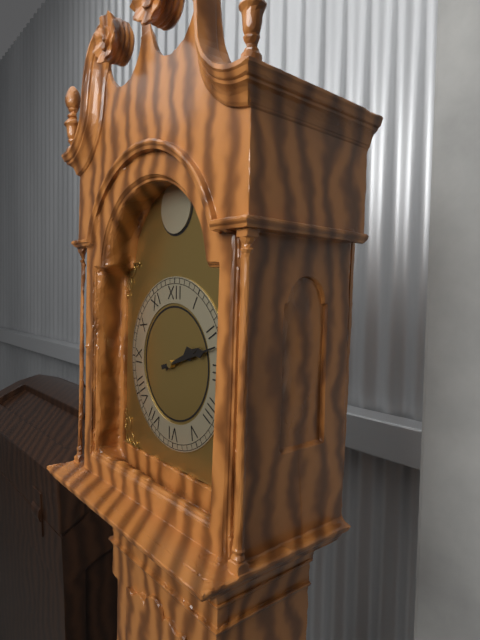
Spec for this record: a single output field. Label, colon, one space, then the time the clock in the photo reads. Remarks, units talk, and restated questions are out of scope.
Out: 2:12
